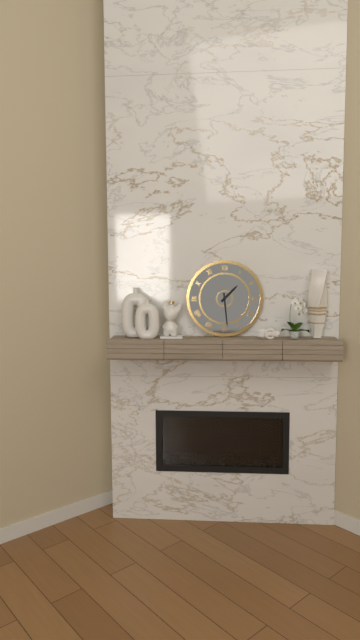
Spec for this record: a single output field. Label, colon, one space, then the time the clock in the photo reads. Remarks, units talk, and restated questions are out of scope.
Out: 1:29
